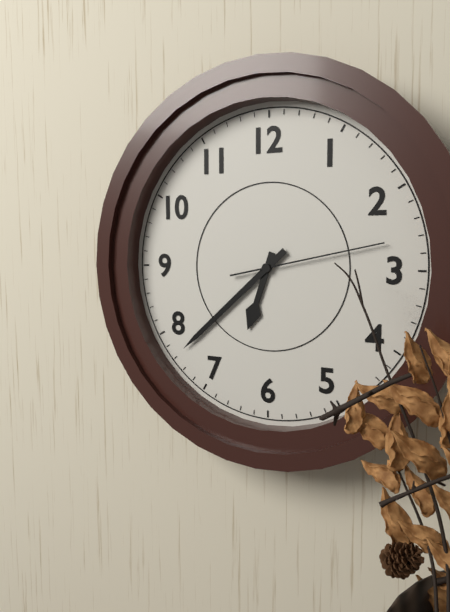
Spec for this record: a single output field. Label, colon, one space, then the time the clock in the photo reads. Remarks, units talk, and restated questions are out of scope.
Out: 6:38:13
